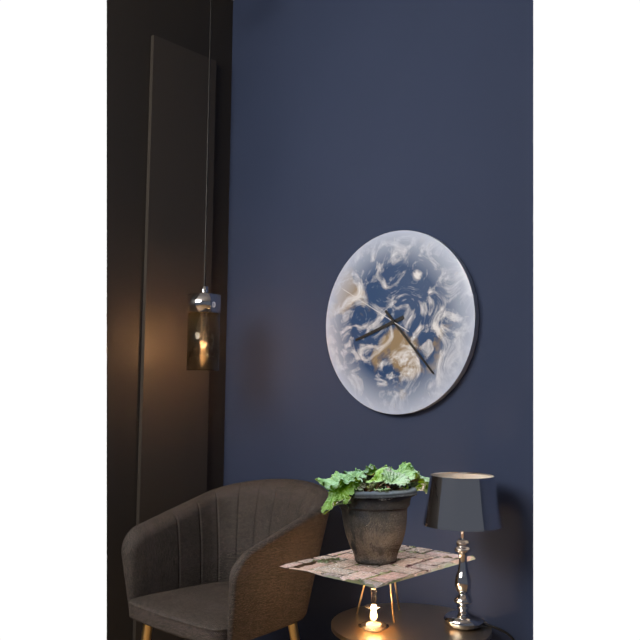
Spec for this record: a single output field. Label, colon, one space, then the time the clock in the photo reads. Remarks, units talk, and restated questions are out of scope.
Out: 8:23:50
